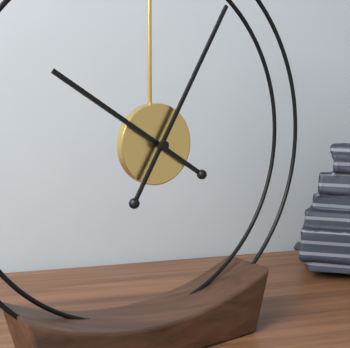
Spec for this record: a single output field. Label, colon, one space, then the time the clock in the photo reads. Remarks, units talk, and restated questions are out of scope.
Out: 10:05
